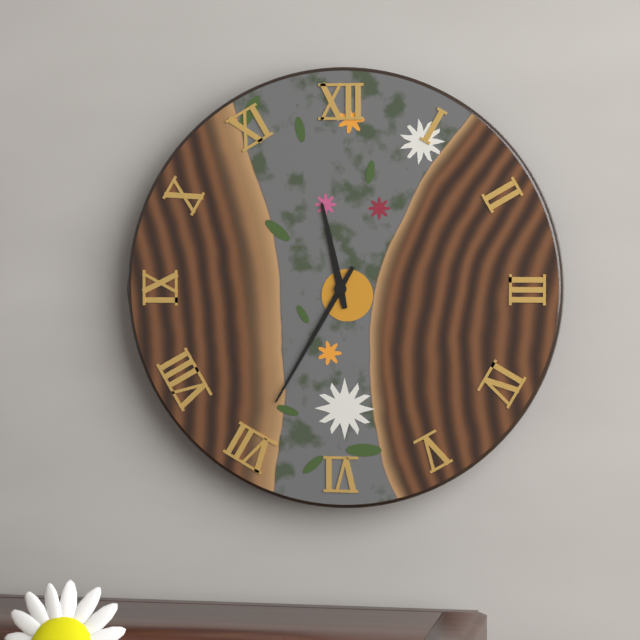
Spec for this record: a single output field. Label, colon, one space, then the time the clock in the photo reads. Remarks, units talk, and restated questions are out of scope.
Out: 11:35
